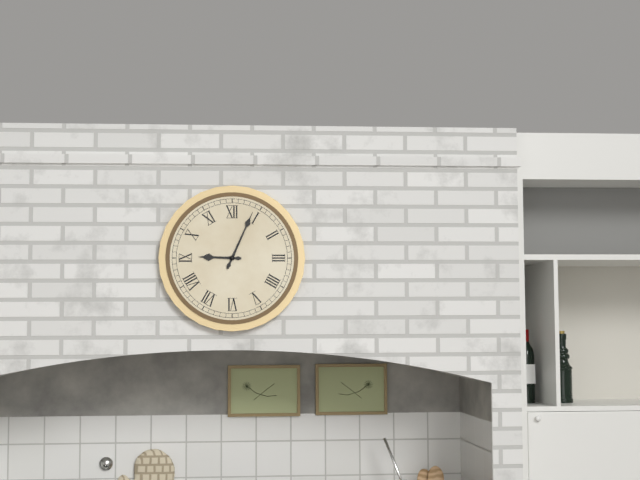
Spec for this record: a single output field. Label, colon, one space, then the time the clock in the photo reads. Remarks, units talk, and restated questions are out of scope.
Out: 9:04
